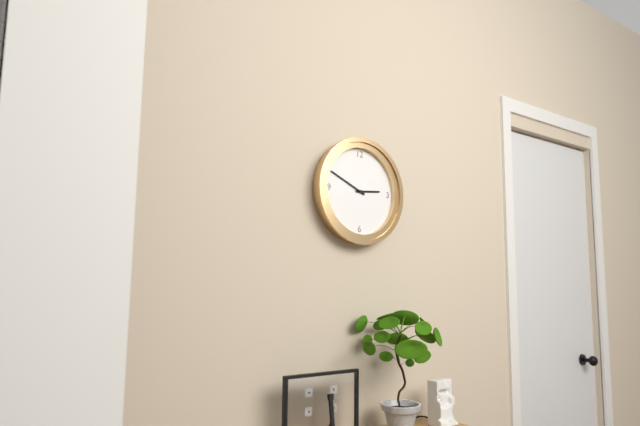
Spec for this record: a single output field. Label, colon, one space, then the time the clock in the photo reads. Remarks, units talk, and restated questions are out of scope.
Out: 2:49
